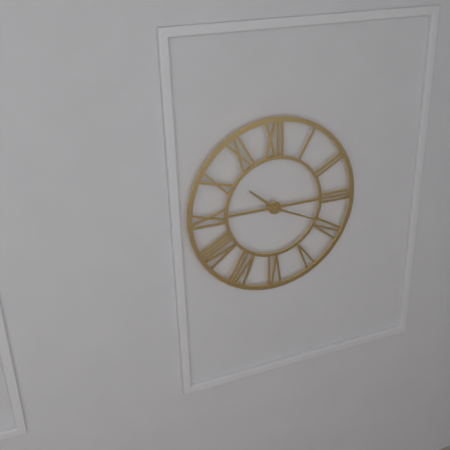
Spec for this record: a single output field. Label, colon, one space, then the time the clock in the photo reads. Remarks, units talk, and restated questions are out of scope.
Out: 10:19
